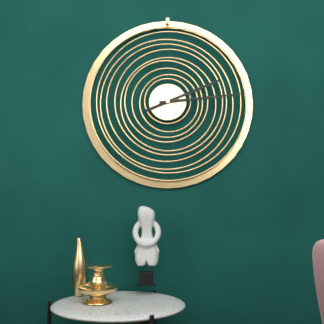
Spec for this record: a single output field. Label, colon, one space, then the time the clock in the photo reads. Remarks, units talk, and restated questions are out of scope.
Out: 2:14
